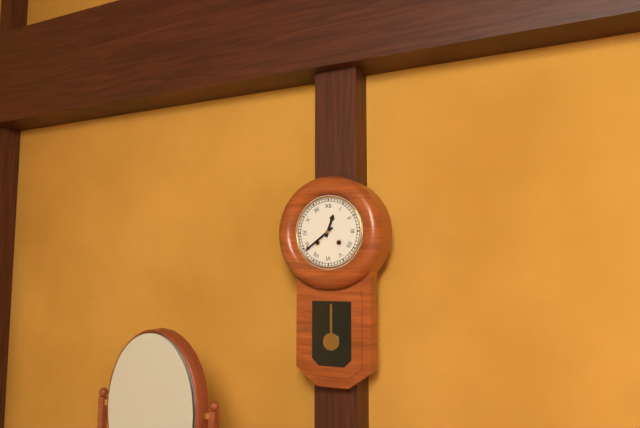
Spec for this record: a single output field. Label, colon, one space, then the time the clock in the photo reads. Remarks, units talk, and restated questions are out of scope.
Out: 12:39
